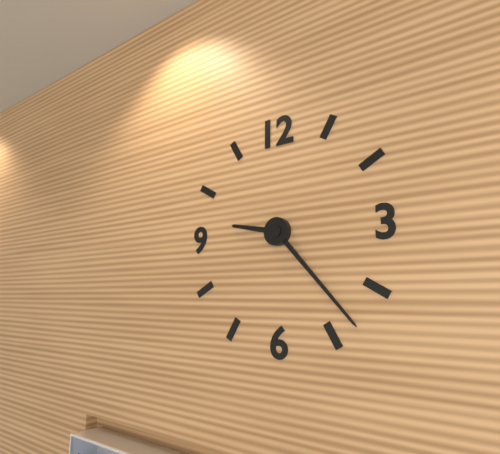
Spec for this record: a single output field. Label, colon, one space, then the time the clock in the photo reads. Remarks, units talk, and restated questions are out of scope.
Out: 9:23
